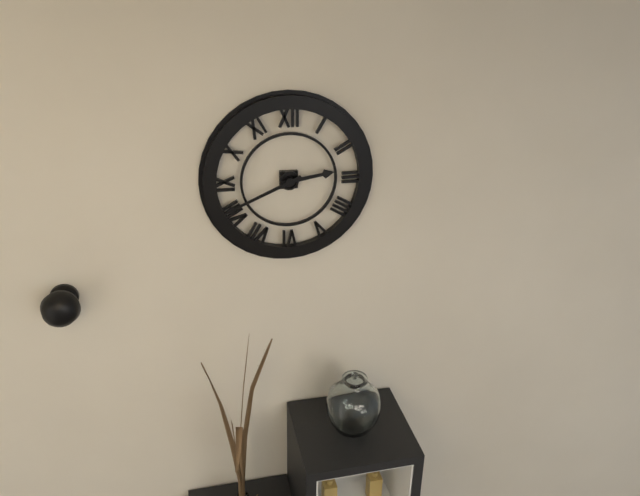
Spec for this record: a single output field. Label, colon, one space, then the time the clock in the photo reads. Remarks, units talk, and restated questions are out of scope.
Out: 2:41
